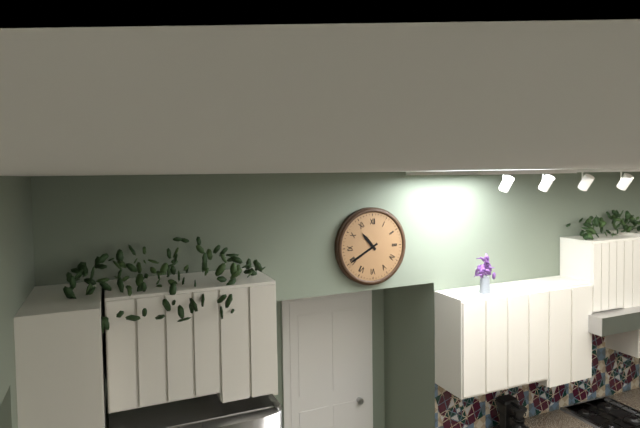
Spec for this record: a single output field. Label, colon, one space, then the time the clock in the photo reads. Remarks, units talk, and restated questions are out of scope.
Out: 10:40
